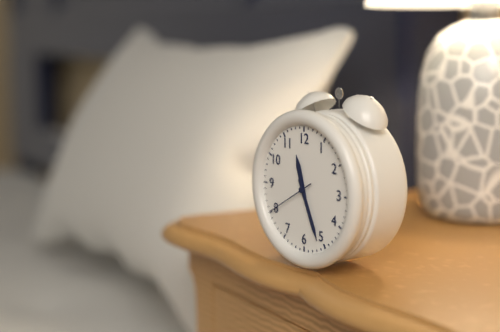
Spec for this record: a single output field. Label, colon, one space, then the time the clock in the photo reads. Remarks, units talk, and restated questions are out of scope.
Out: 11:26
